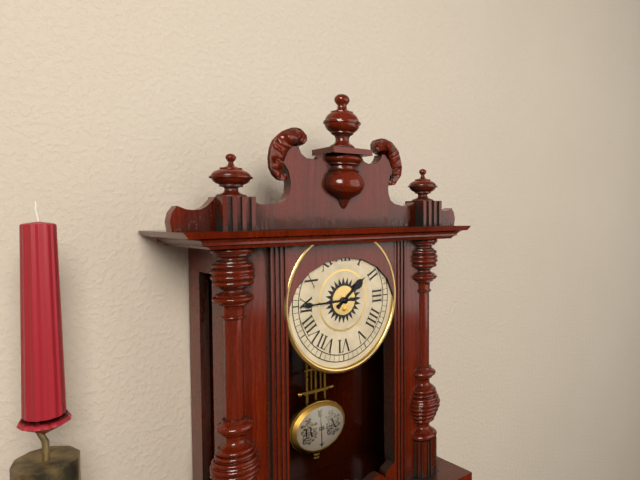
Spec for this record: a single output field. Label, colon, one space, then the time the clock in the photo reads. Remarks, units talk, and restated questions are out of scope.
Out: 1:45
